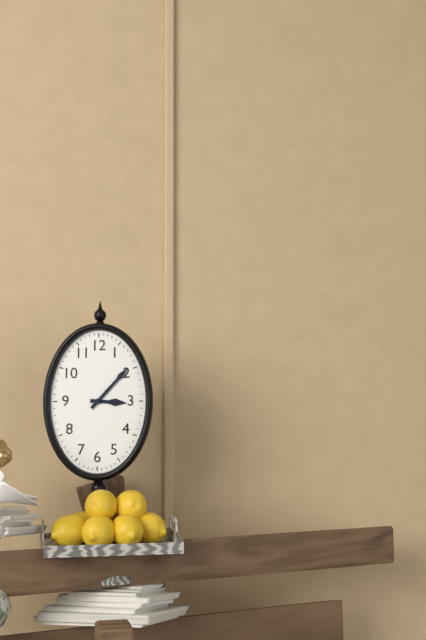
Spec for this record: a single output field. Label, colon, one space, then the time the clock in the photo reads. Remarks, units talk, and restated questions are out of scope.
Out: 3:07
